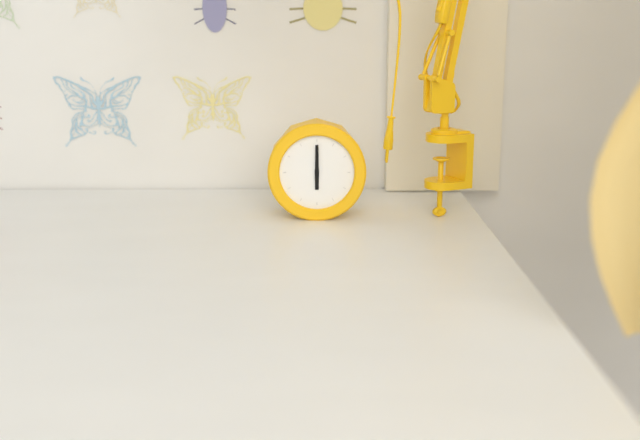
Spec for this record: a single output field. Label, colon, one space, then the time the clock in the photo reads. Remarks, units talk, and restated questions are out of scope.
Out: 6:00
